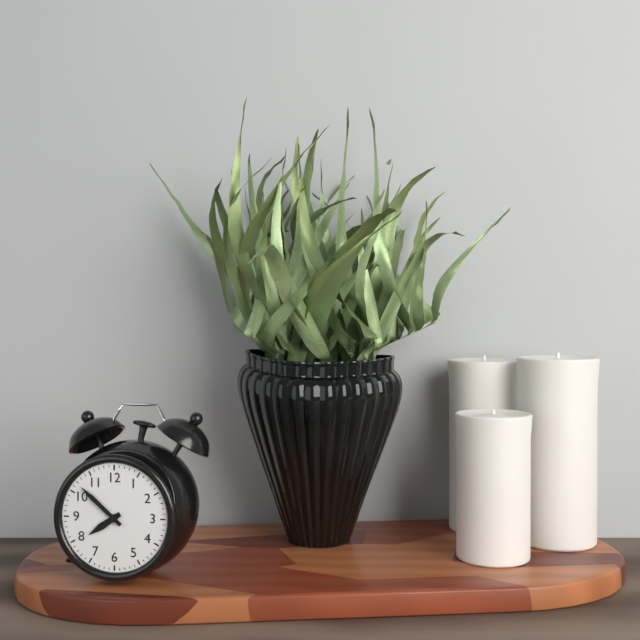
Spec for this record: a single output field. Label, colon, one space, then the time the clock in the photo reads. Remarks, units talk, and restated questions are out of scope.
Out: 7:52
